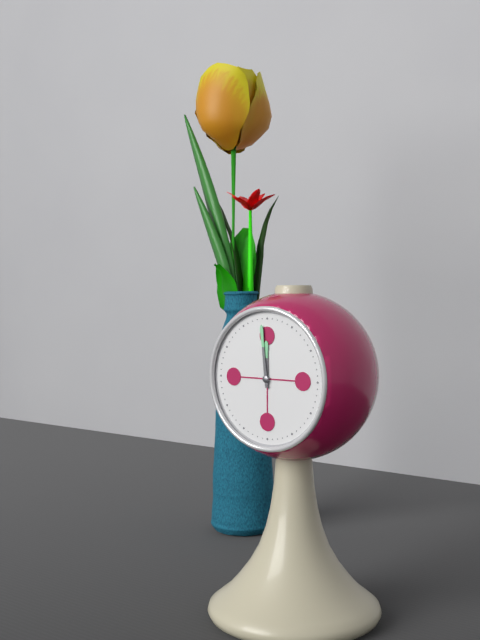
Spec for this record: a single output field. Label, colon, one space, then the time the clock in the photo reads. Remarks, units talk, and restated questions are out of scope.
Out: 11:59
